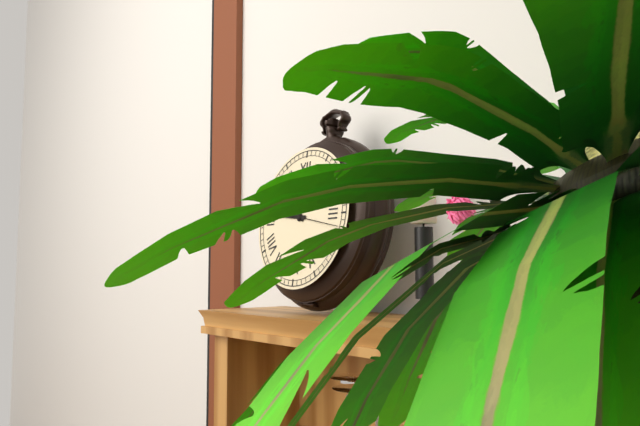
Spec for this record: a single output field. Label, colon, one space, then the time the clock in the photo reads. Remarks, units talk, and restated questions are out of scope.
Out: 9:46
